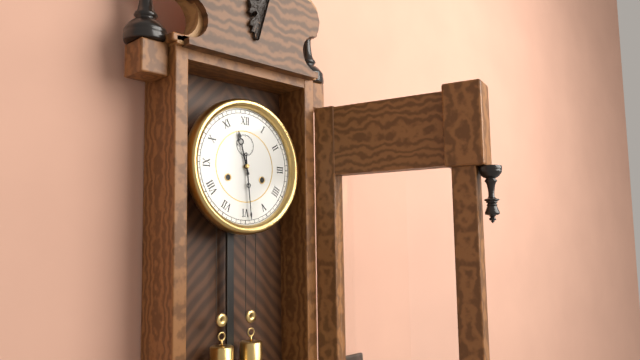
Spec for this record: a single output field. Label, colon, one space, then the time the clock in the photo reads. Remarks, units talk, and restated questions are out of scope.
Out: 11:29
